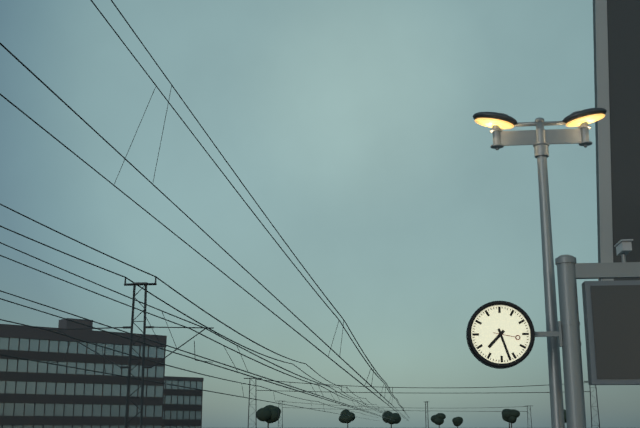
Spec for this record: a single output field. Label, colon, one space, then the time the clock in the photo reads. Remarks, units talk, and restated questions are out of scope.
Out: 7:27
